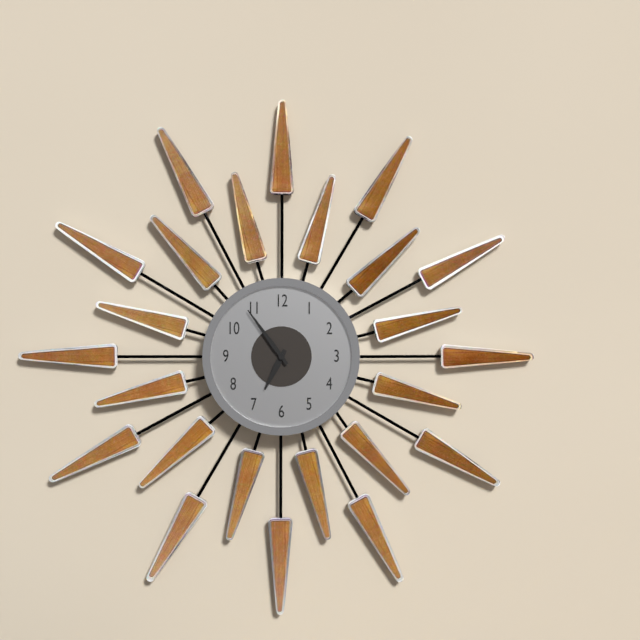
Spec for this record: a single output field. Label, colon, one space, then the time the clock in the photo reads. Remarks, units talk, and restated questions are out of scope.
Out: 6:54
